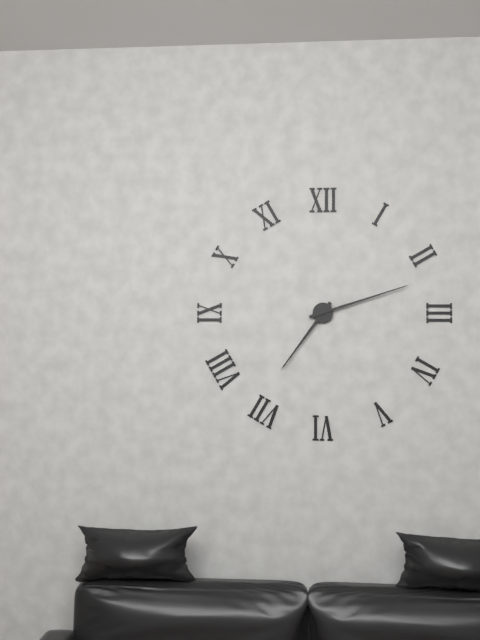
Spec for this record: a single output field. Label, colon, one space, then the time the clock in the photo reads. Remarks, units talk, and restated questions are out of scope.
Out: 7:12
